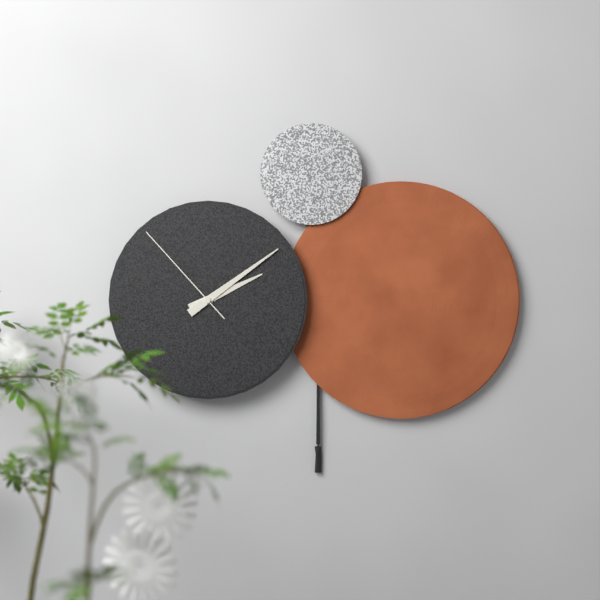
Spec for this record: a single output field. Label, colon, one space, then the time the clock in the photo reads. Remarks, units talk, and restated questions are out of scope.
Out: 2:09:53
